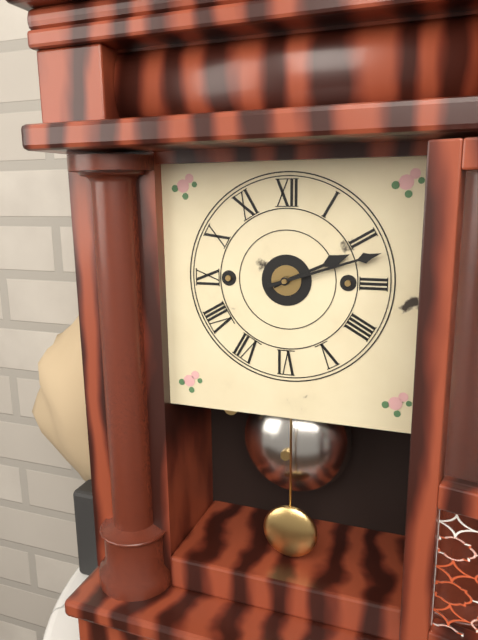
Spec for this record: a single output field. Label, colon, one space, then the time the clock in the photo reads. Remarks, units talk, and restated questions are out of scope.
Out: 2:12
